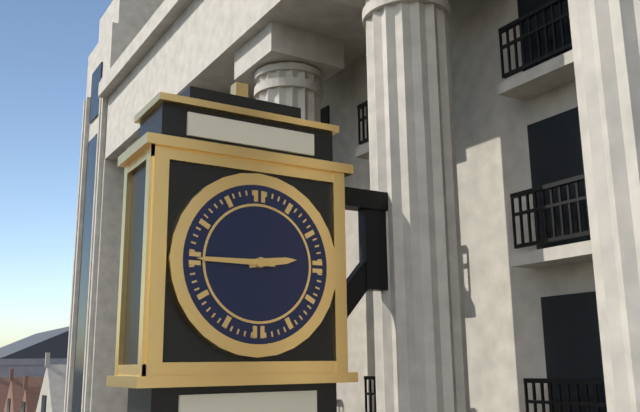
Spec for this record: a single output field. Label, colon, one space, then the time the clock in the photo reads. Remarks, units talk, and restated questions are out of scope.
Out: 2:45
